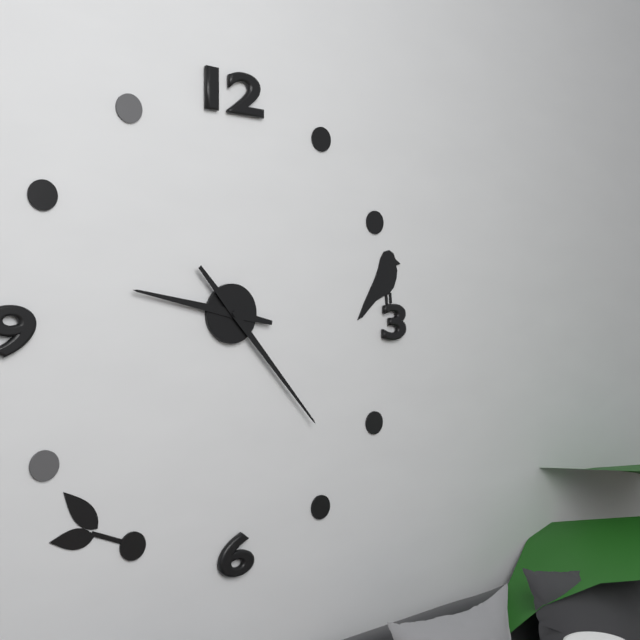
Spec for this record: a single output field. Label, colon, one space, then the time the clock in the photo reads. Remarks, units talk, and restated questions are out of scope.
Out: 9:23
